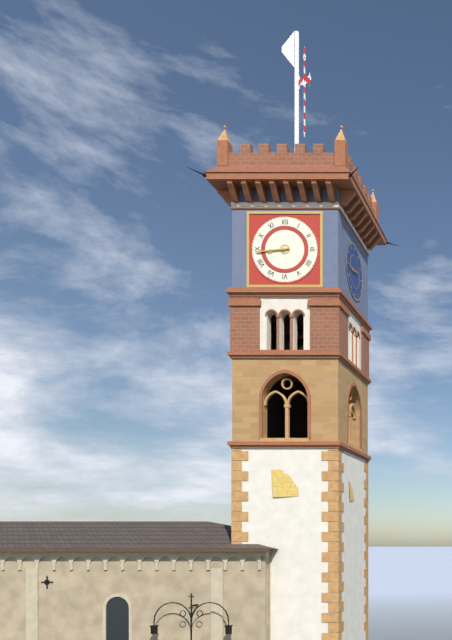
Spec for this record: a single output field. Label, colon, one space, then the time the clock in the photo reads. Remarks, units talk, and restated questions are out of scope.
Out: 8:44
